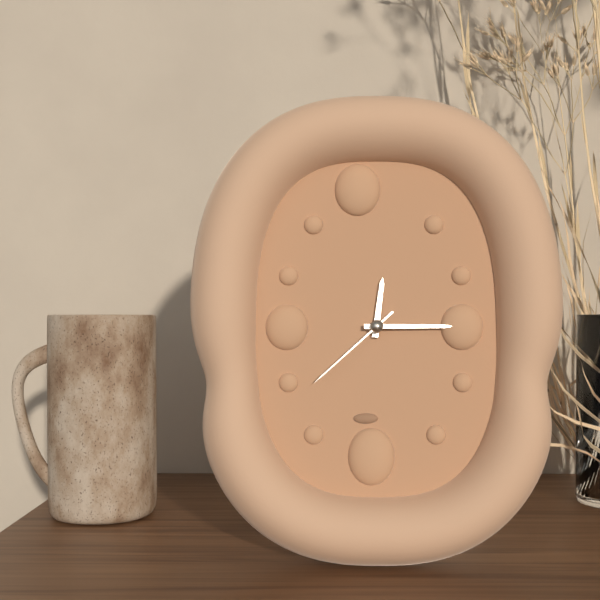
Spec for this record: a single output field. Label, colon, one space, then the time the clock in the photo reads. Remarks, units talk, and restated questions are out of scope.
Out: 12:15:38
